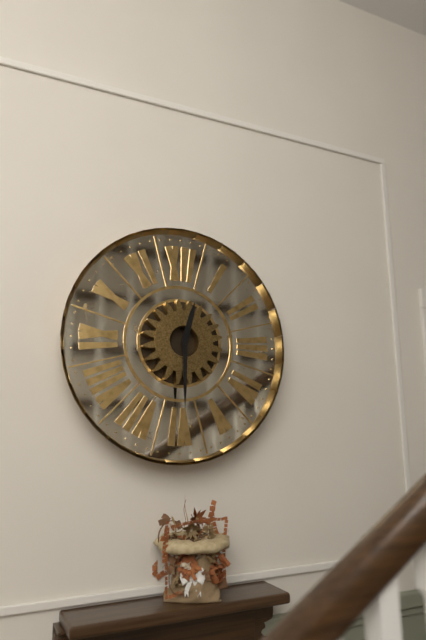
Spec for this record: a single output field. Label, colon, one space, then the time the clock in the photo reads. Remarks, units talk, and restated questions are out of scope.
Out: 12:30
